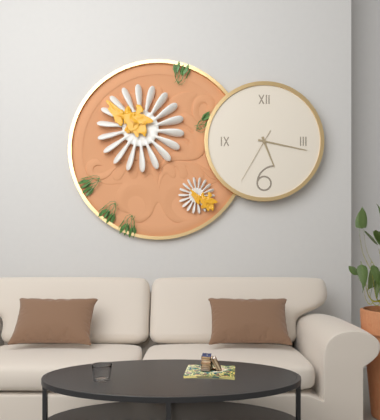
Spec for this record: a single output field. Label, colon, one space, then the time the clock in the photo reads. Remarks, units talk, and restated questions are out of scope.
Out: 5:17:35
